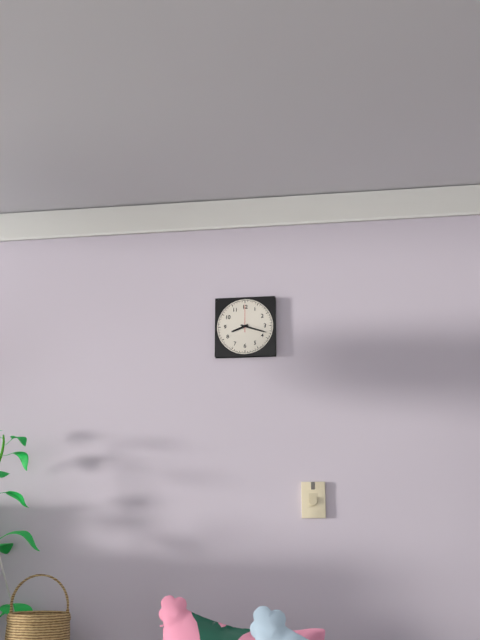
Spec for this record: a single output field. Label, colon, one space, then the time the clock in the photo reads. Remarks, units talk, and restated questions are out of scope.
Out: 8:18
